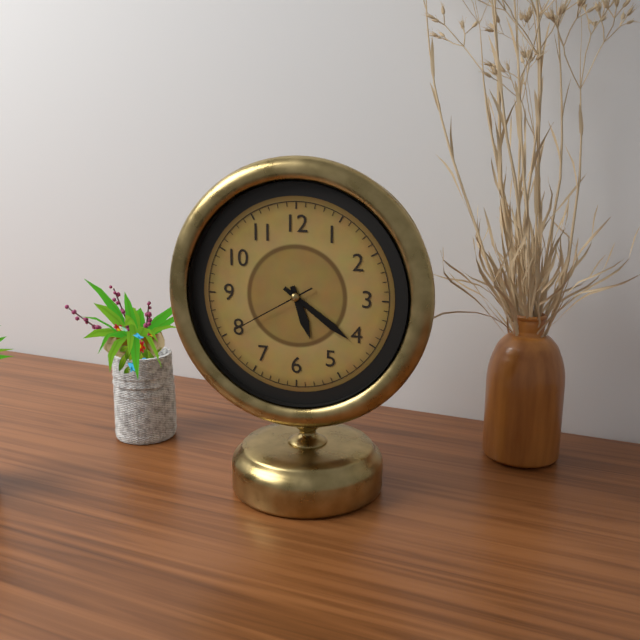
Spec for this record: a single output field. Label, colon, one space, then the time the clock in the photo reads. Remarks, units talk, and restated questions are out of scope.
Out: 5:21:40
